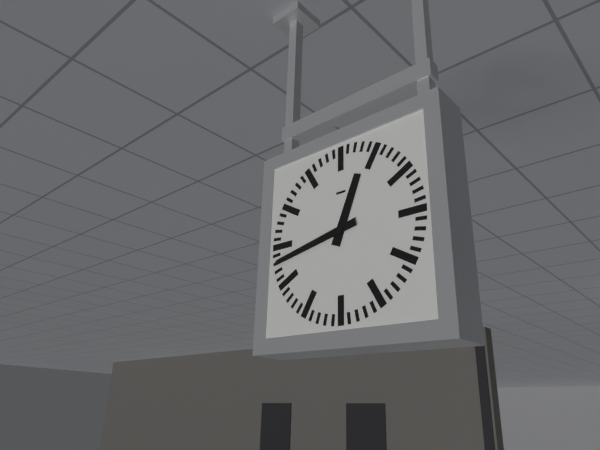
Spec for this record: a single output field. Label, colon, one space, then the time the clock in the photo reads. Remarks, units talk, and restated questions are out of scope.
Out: 12:43
